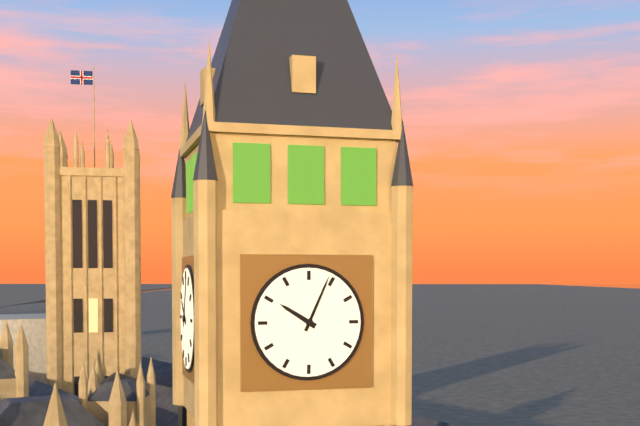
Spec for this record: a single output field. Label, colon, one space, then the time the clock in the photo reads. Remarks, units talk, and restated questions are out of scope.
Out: 10:04
